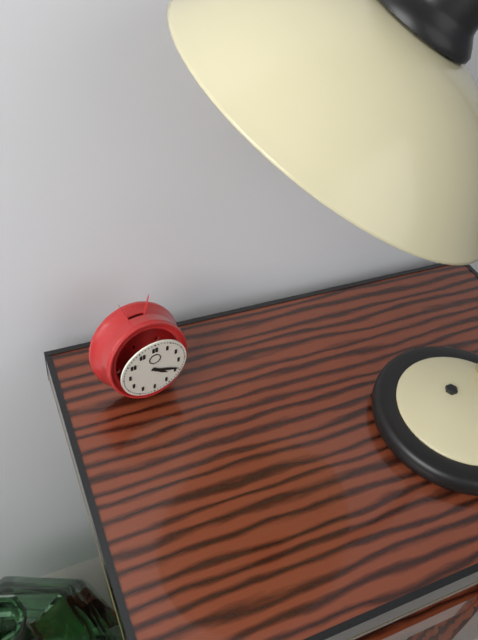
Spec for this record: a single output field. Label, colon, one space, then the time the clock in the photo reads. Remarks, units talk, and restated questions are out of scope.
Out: 4:19
